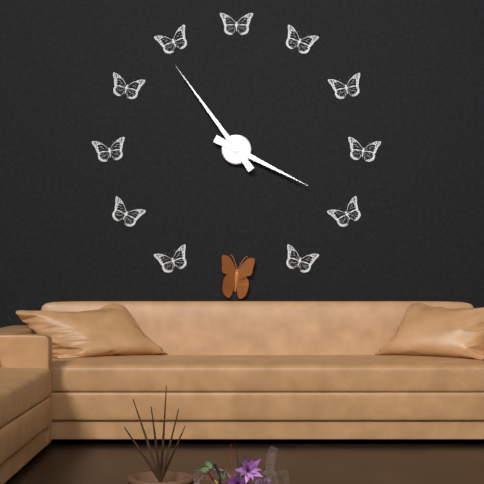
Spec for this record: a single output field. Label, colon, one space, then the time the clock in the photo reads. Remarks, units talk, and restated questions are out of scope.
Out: 3:54
